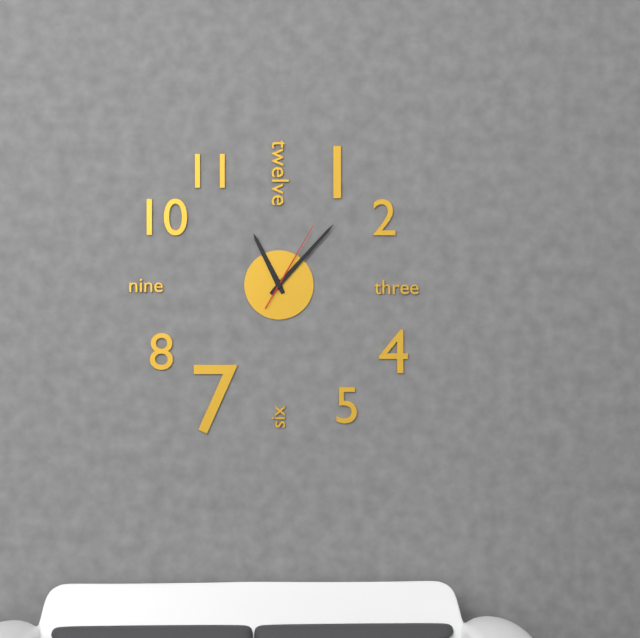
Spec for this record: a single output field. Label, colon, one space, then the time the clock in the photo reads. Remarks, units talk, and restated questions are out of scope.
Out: 11:07:05
